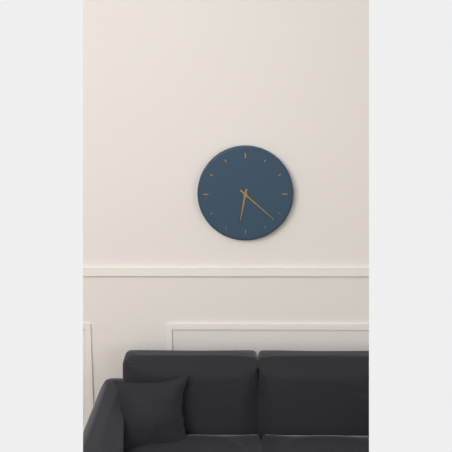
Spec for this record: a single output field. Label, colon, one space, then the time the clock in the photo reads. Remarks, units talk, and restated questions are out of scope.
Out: 6:22
